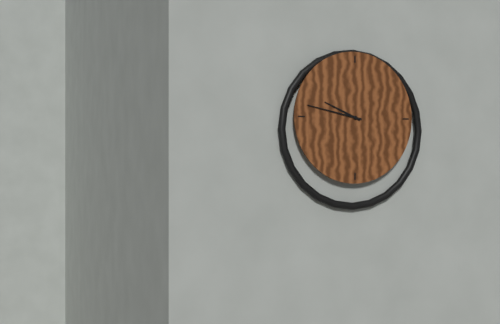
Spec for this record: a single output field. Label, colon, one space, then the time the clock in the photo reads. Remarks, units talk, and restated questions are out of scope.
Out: 9:47
